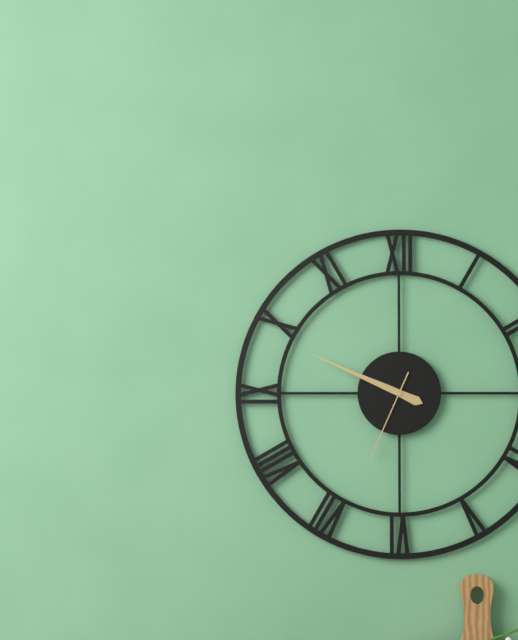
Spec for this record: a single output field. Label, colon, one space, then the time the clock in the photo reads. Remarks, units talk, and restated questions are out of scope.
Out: 9:49:34
